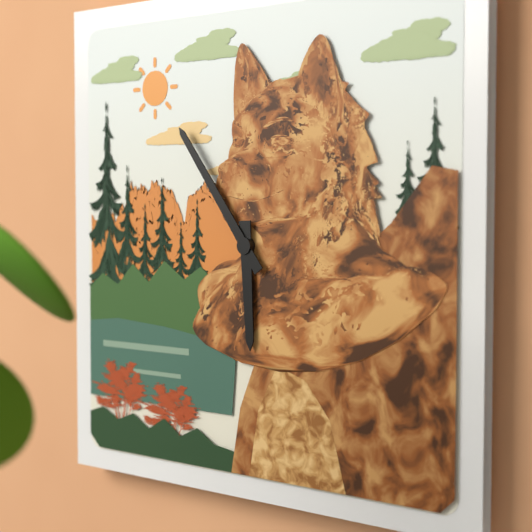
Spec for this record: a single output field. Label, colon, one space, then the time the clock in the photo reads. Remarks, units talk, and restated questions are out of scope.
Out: 5:54
